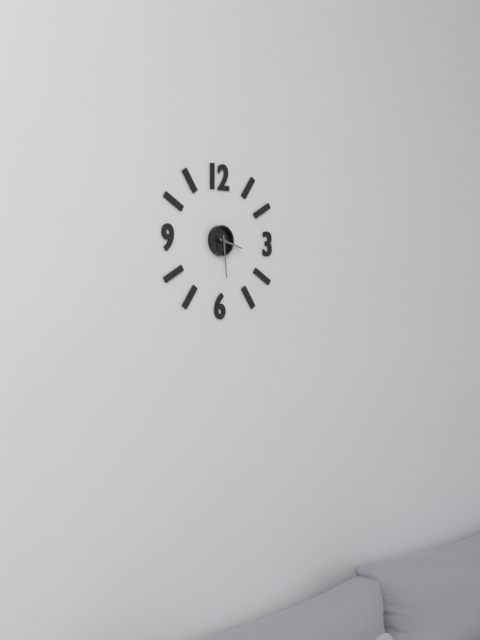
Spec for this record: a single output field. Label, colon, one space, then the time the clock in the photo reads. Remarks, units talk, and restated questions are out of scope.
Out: 3:29
